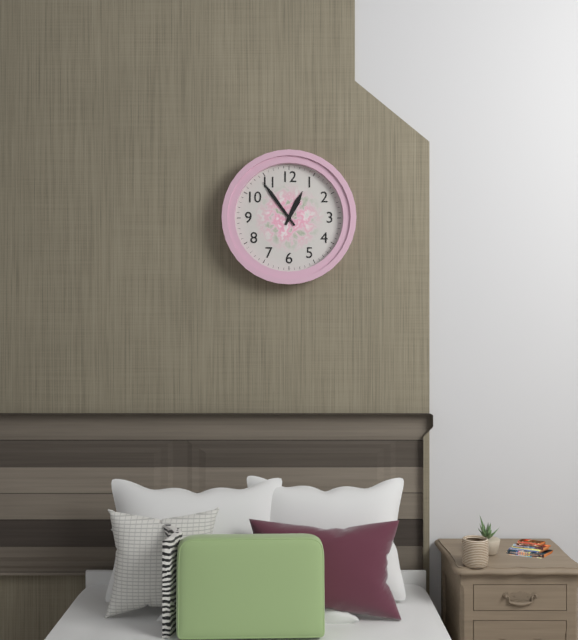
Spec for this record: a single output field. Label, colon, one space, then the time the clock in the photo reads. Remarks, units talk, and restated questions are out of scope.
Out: 12:54
